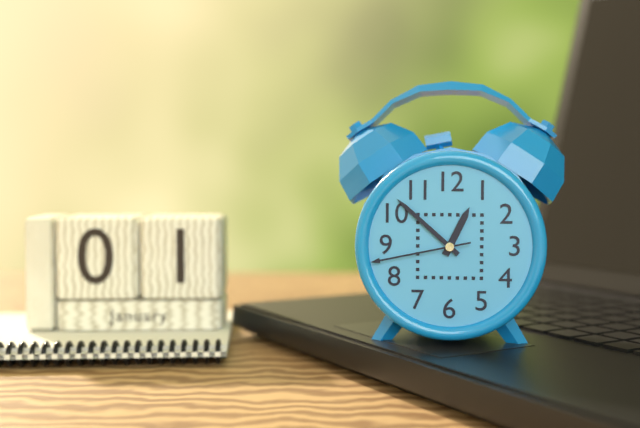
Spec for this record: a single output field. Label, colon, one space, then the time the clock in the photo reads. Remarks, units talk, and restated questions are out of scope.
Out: 12:52:43
